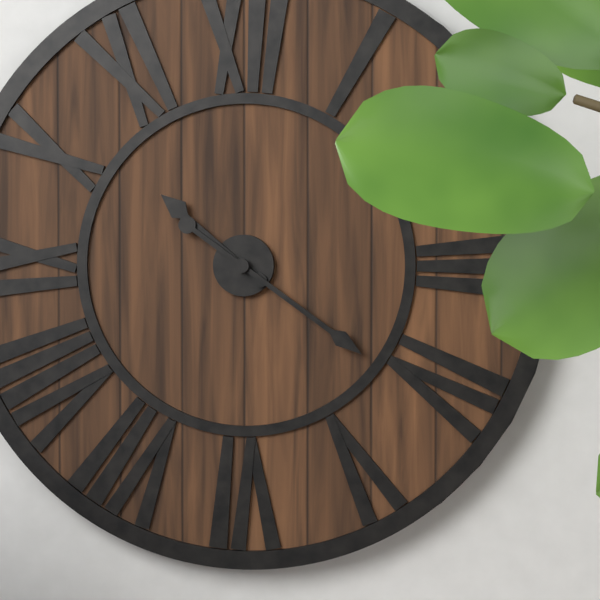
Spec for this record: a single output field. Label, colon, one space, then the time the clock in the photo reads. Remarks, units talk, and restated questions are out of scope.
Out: 10:21
